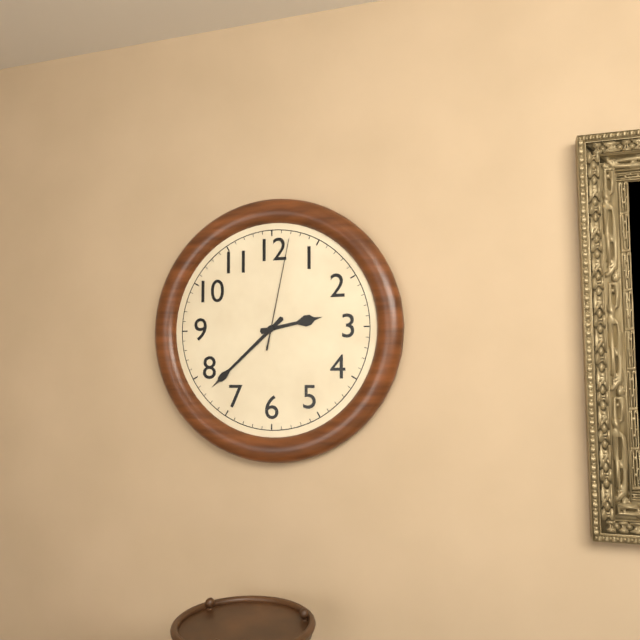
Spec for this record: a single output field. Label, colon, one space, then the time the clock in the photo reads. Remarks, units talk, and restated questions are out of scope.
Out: 2:38:02
